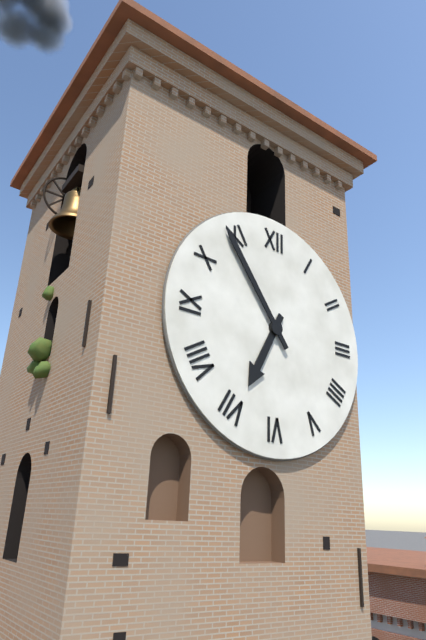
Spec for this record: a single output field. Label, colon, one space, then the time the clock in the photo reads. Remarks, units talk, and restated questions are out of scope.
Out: 6:54
